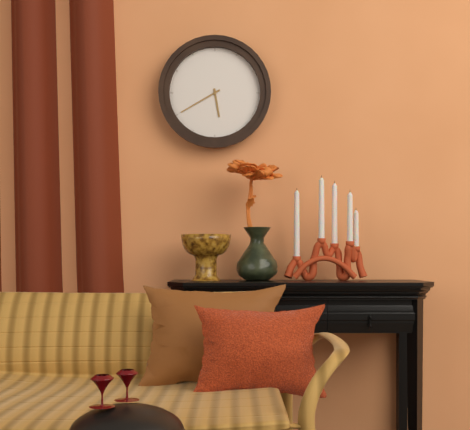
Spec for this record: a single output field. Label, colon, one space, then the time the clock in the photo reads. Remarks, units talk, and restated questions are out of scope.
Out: 5:40
